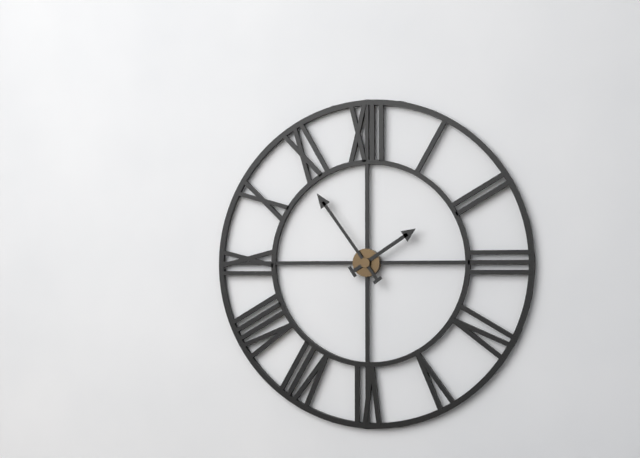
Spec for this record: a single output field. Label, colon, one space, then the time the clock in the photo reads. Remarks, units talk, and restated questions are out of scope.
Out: 1:54
